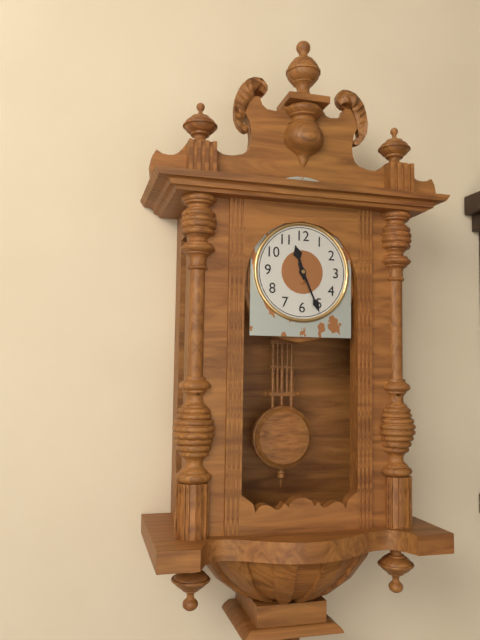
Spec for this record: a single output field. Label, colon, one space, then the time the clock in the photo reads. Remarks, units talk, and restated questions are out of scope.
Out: 11:26
